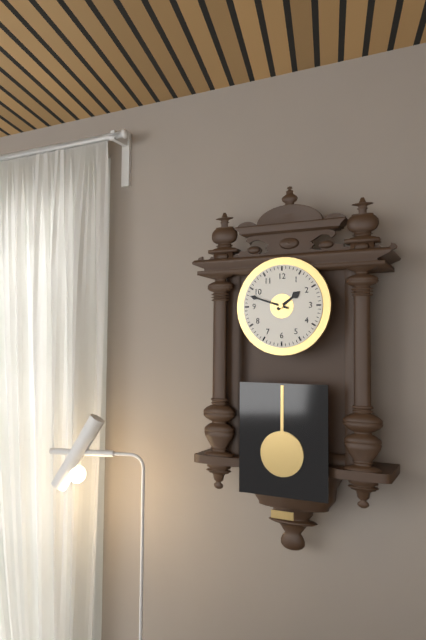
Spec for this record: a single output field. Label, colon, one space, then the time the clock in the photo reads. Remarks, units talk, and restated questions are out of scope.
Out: 1:48
